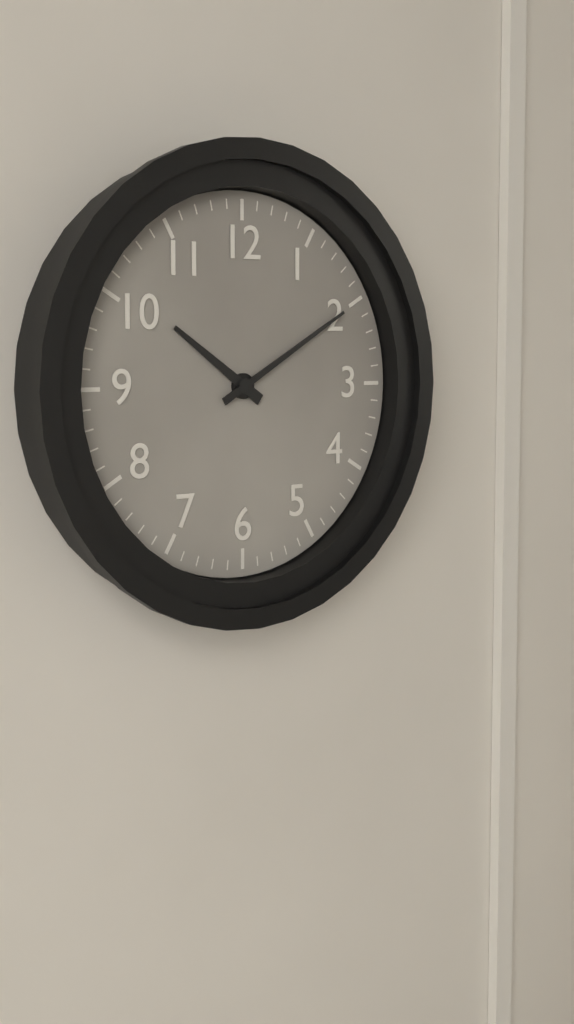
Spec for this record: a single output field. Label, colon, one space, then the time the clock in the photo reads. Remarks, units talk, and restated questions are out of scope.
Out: 10:10
